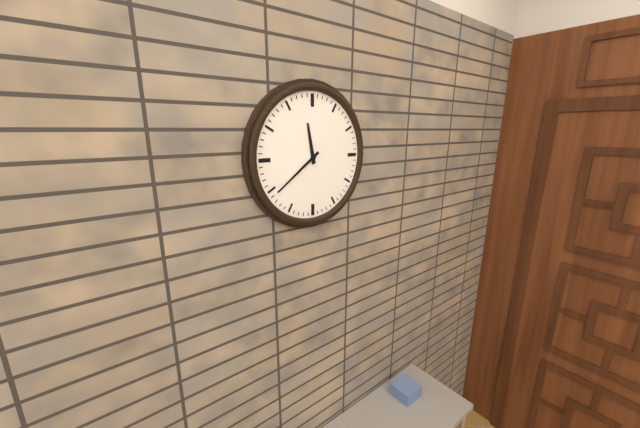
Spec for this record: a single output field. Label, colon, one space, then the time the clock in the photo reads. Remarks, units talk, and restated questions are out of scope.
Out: 11:39
